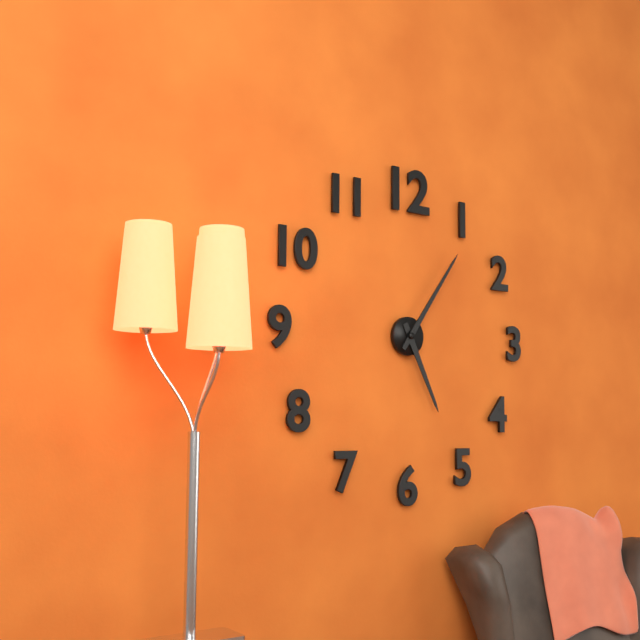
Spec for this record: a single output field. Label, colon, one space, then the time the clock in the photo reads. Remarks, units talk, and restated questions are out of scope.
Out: 5:06
